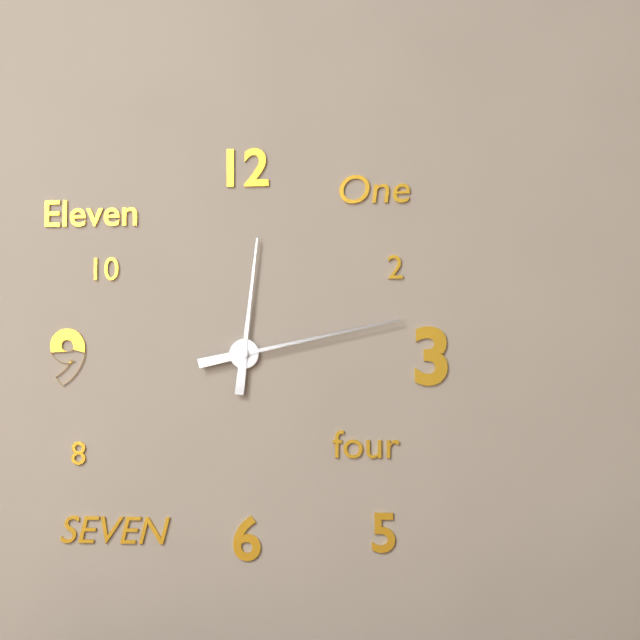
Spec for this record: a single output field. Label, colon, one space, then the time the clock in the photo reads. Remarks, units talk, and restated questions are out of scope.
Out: 12:13
